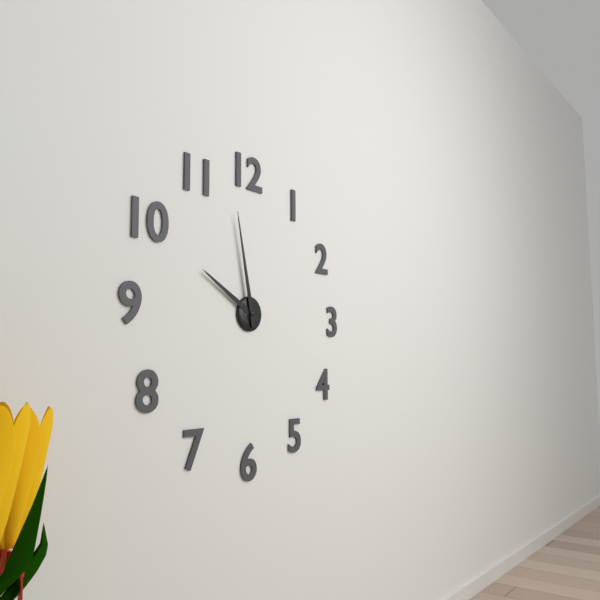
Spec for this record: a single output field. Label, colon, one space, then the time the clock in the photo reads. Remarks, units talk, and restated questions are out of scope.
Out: 9:58
